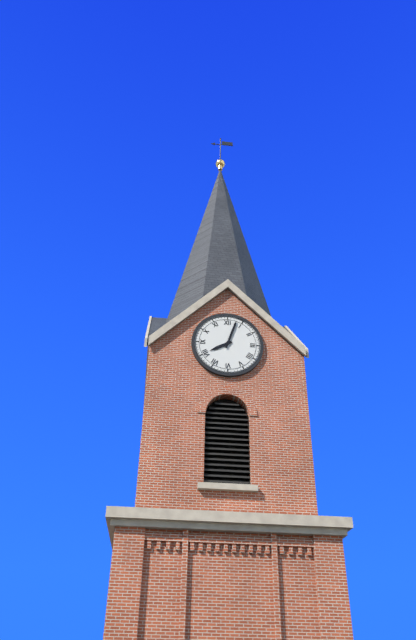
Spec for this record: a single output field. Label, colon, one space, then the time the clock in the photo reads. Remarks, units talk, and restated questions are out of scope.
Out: 8:03
